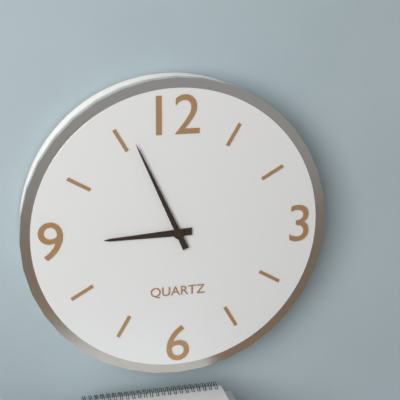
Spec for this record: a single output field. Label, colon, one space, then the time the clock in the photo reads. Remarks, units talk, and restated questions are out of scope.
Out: 8:56
